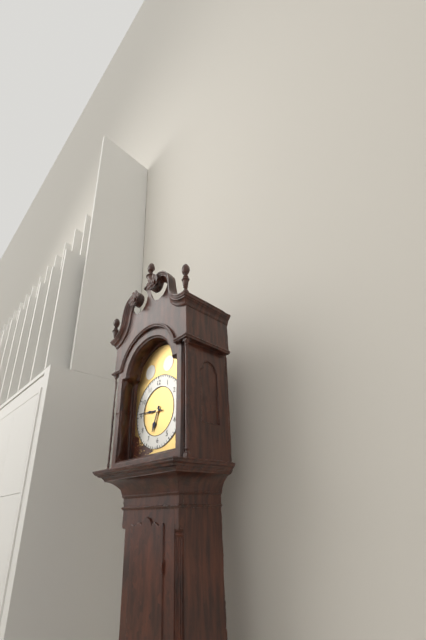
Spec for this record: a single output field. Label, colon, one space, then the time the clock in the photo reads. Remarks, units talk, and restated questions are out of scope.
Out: 6:46
